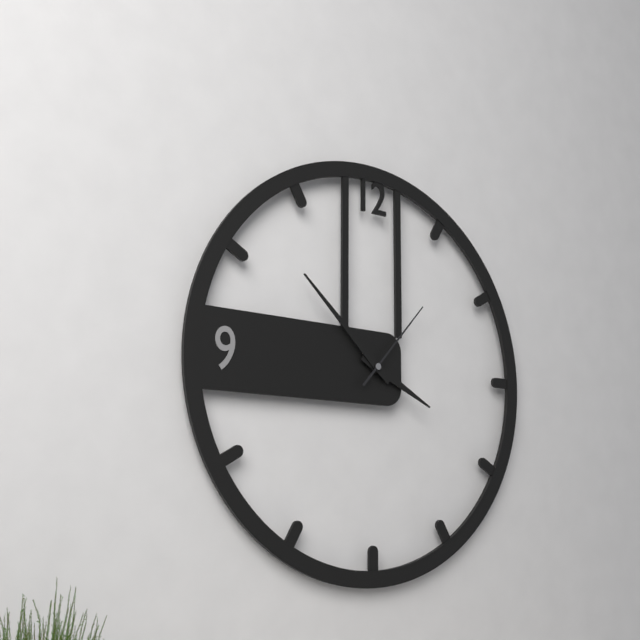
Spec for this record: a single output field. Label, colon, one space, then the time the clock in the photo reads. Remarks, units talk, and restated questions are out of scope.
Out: 3:52:07
